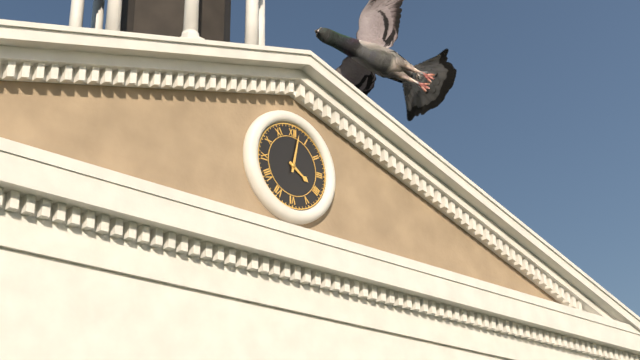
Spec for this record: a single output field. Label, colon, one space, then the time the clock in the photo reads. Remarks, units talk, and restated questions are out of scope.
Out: 4:02
